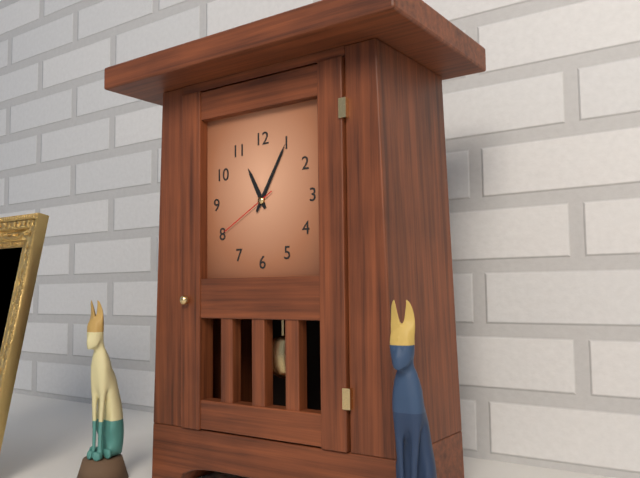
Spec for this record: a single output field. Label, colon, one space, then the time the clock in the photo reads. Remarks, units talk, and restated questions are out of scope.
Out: 11:05:40
